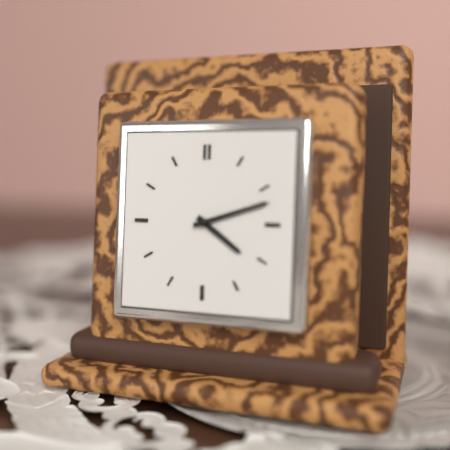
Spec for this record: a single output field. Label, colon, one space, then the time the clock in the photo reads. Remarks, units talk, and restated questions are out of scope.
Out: 4:12
